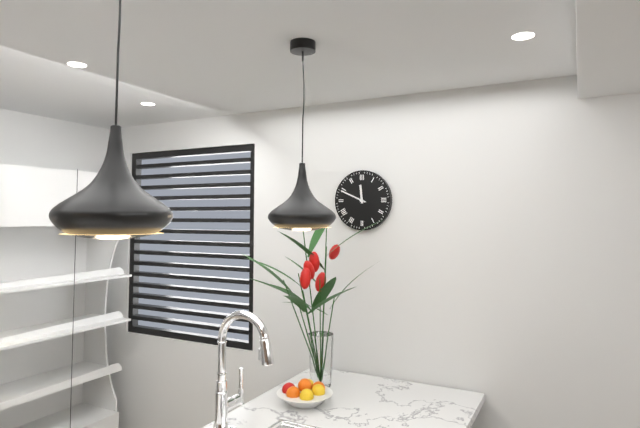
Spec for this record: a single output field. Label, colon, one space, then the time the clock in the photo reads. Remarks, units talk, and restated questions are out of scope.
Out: 11:49
